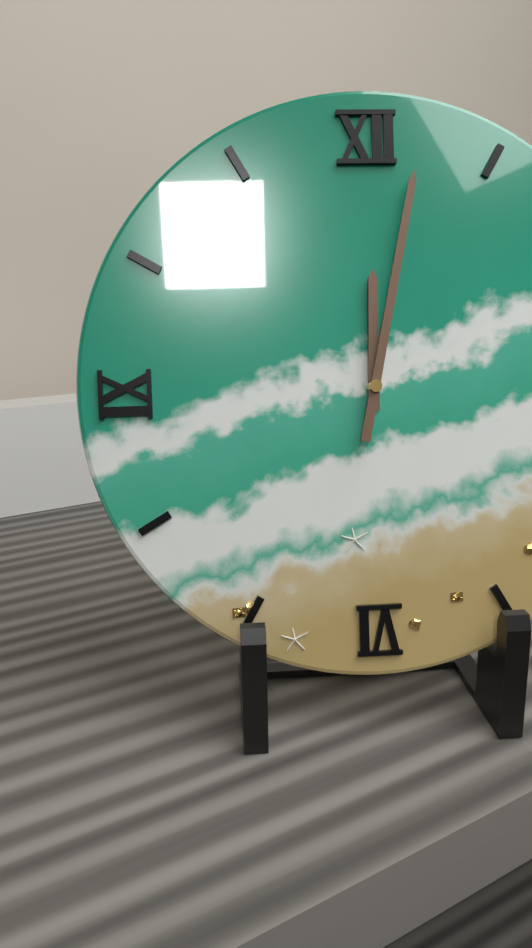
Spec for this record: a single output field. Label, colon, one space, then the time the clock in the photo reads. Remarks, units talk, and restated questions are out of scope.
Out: 12:02
